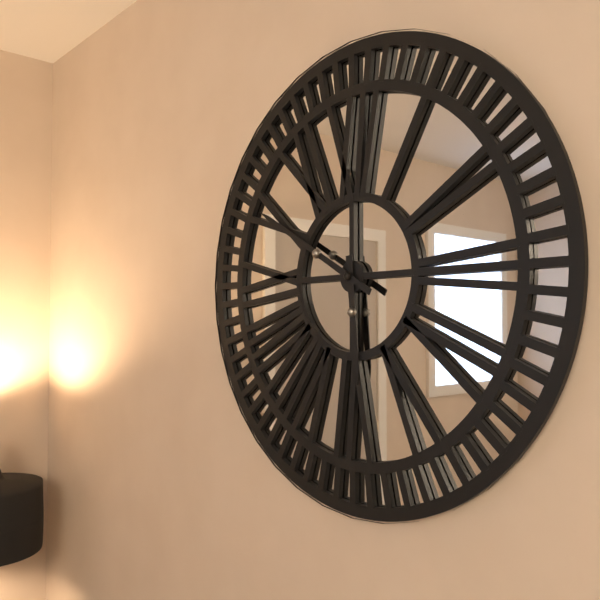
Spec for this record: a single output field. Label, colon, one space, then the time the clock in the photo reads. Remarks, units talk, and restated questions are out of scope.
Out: 5:50
